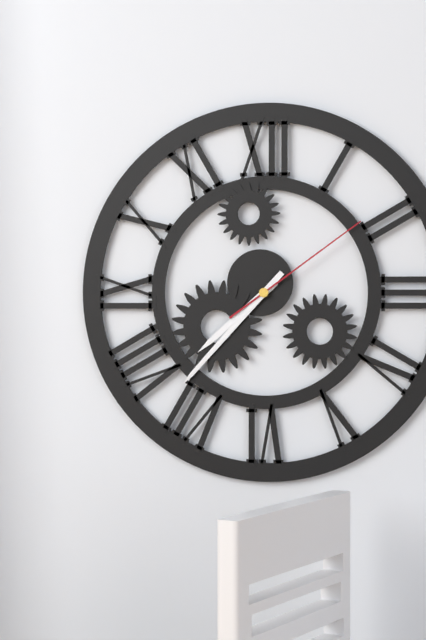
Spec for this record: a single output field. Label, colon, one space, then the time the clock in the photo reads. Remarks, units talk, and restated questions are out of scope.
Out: 7:37:09
